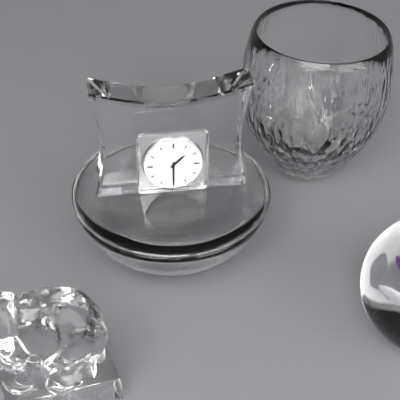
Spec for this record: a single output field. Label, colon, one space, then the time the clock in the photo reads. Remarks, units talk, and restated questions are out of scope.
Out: 1:30
